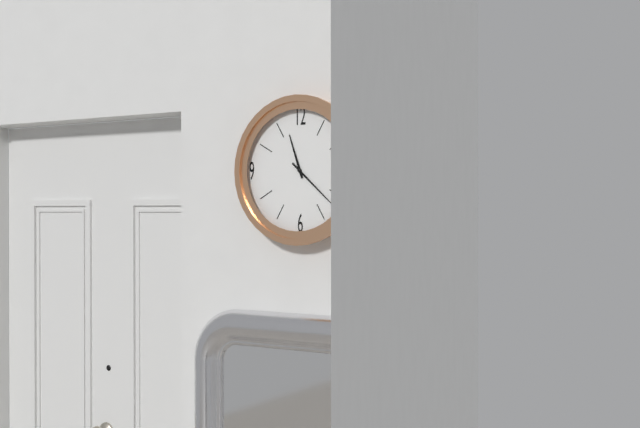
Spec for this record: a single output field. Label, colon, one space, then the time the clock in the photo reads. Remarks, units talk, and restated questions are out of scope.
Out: 11:22
